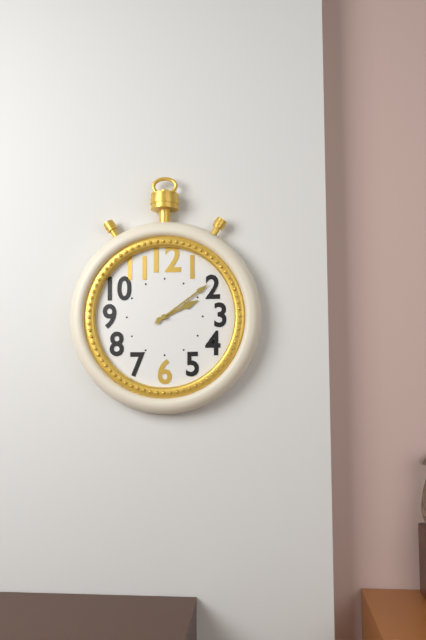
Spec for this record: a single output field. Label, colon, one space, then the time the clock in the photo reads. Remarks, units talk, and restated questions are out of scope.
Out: 2:09
